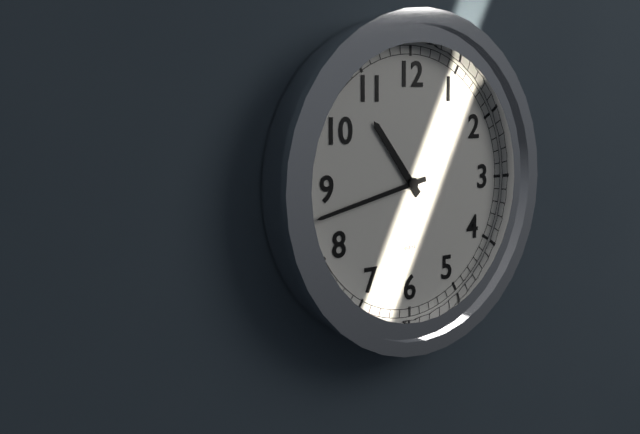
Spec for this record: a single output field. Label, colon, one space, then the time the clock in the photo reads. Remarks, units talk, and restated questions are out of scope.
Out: 10:43
